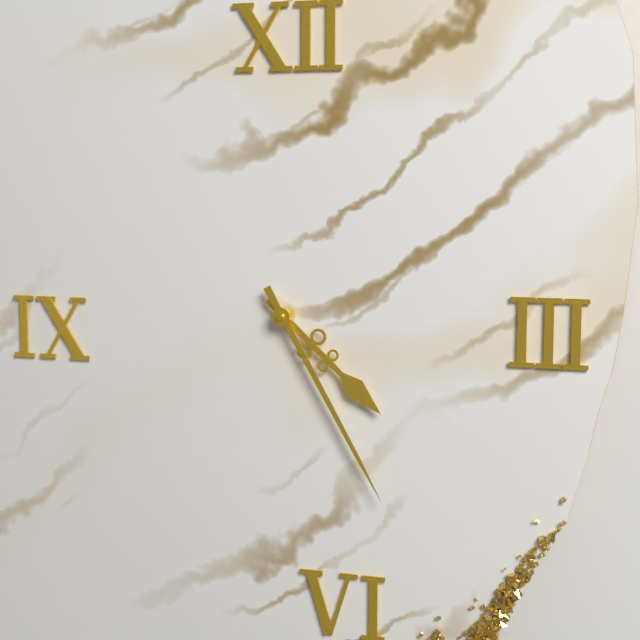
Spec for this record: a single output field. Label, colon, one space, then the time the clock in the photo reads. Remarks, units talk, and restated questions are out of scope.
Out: 4:25
